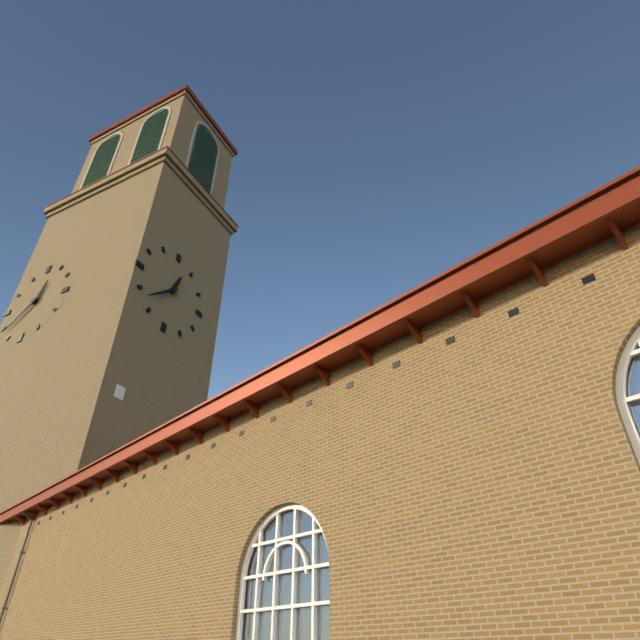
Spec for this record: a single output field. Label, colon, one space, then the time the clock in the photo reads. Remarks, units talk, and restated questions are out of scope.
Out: 12:38
